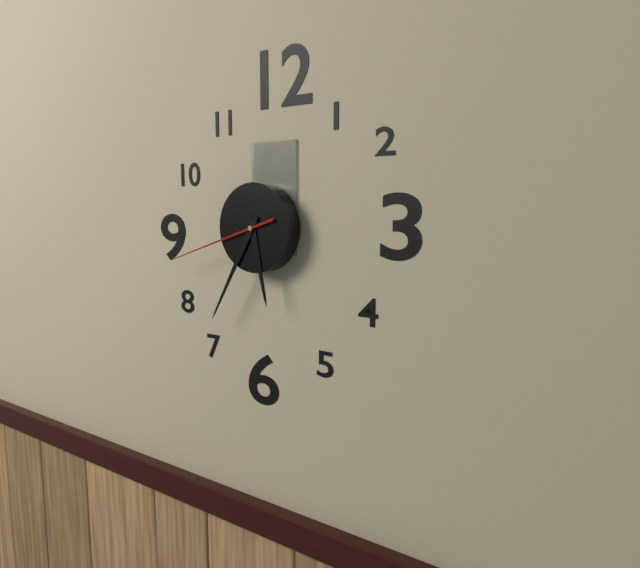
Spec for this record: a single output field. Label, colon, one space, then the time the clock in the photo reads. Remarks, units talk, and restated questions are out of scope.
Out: 5:35:42
